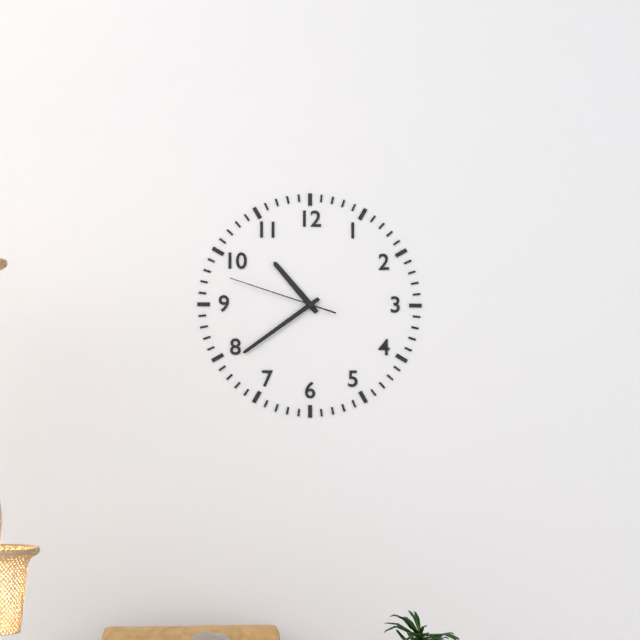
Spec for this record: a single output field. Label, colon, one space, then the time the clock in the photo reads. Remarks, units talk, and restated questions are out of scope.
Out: 10:39:48
